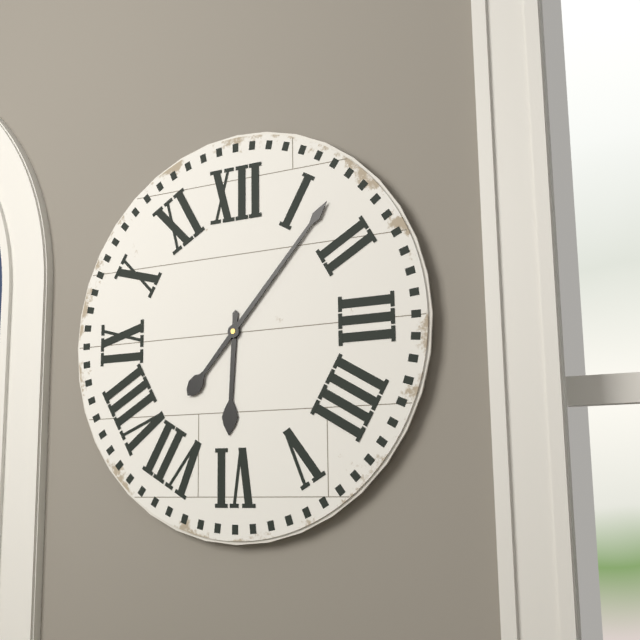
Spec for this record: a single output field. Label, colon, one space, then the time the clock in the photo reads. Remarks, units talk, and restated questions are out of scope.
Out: 6:07
